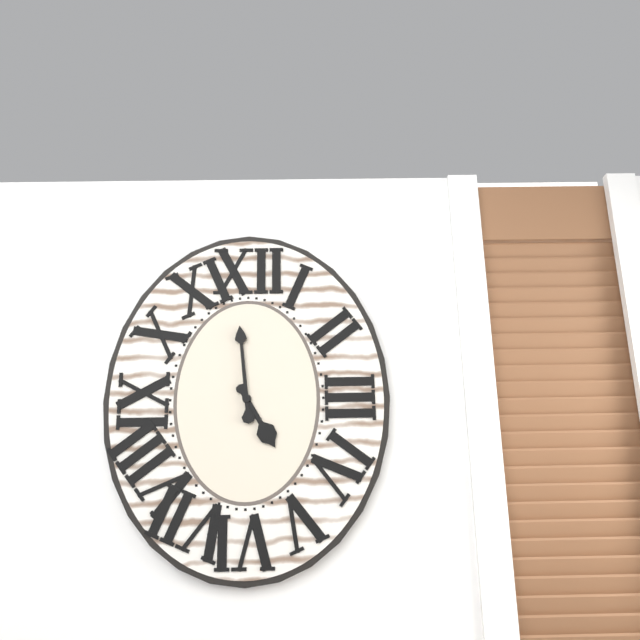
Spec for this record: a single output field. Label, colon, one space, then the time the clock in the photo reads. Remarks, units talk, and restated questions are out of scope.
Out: 4:59
